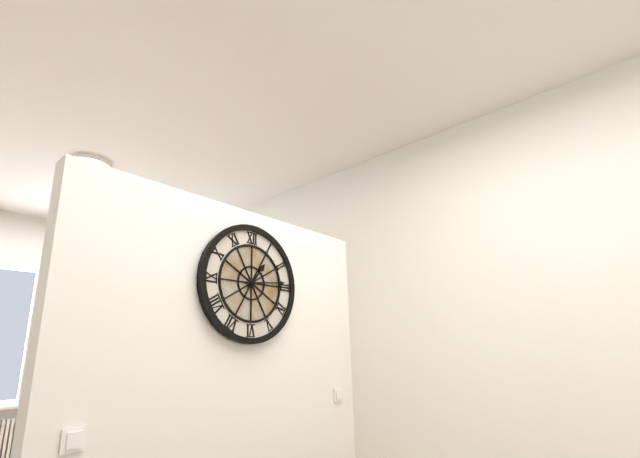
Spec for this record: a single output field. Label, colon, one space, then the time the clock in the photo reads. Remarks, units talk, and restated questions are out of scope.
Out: 1:14
